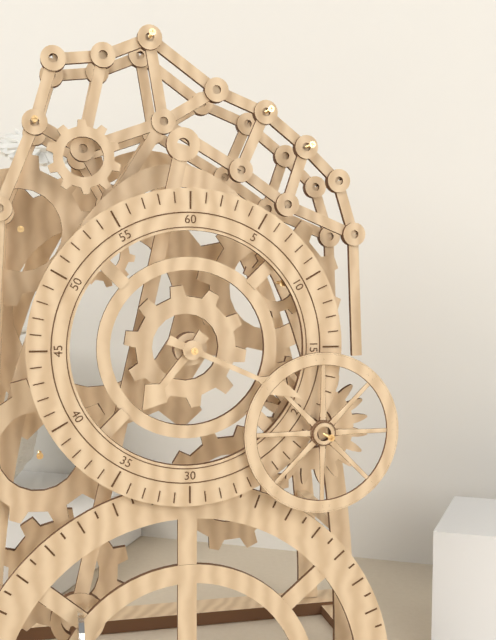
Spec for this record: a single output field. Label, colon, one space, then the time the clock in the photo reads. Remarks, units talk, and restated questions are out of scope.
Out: 7:19
